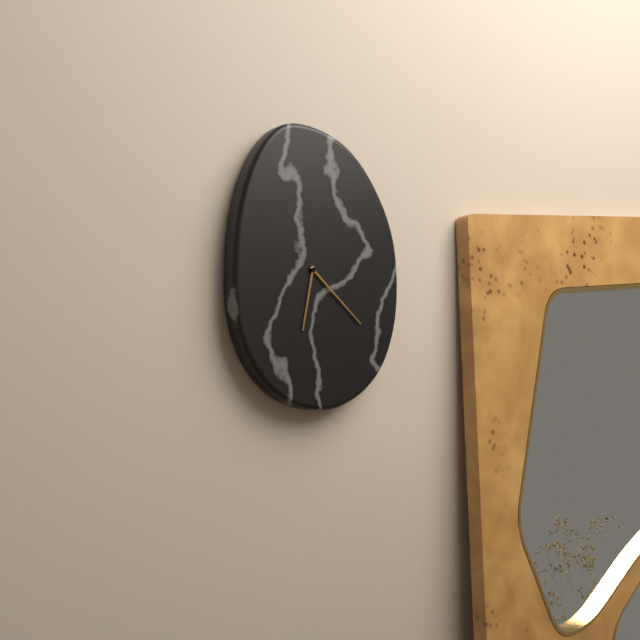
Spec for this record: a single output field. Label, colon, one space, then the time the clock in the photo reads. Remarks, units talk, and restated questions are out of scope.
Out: 6:22
